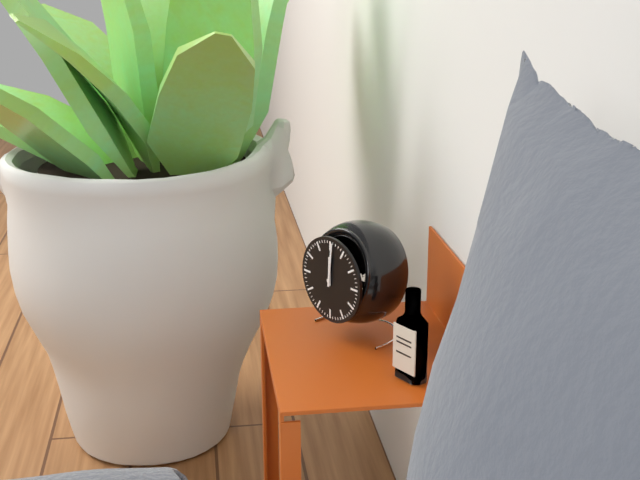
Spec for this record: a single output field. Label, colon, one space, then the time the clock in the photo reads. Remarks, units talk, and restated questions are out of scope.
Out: 12:01
